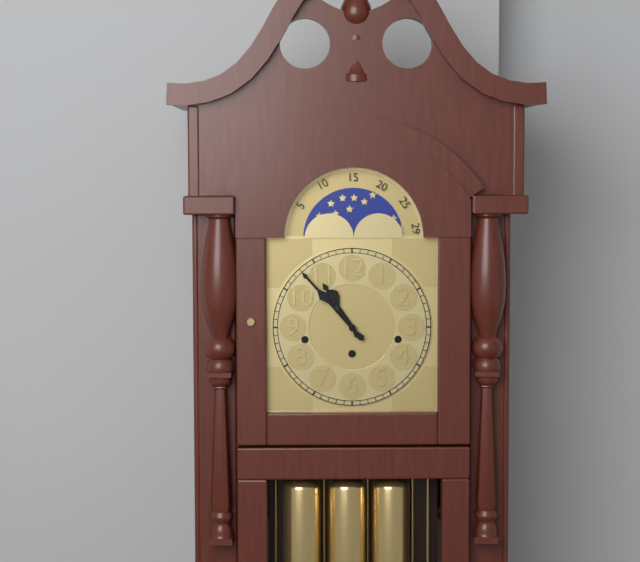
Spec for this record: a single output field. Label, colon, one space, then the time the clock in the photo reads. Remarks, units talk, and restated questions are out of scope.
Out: 10:53
